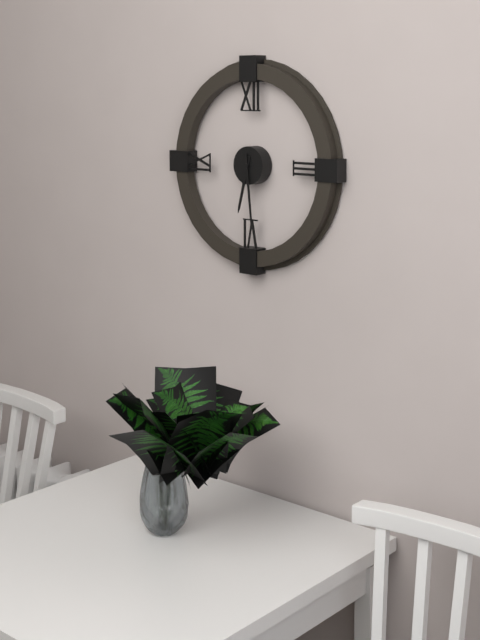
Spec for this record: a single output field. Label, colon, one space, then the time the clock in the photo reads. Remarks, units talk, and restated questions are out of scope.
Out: 6:29
